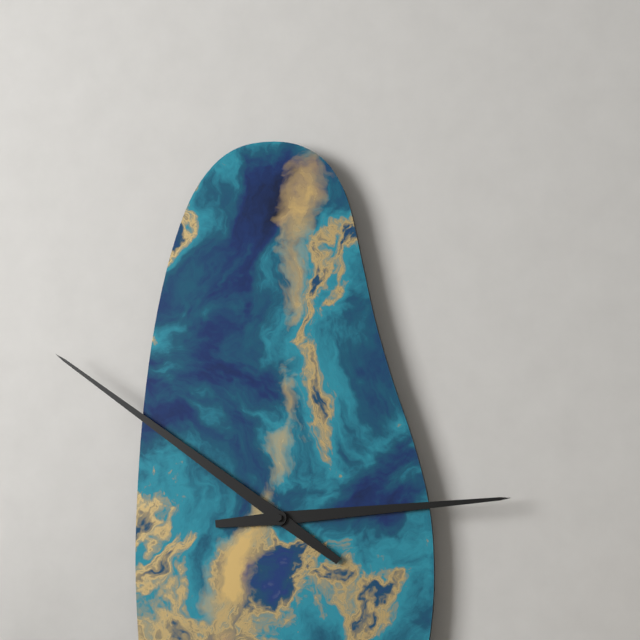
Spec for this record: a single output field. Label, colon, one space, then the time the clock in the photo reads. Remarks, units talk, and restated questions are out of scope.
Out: 2:51
